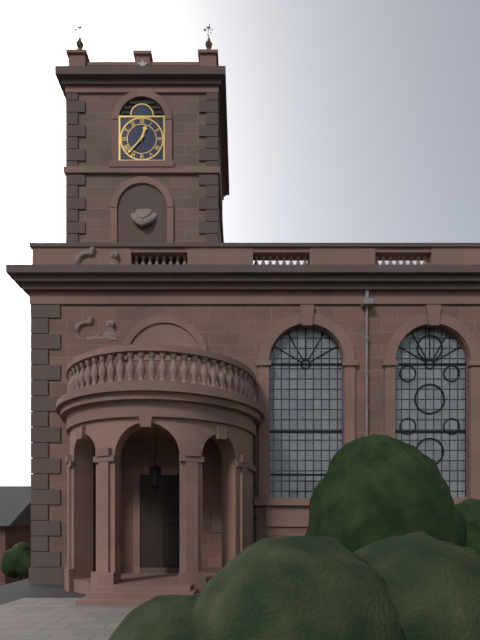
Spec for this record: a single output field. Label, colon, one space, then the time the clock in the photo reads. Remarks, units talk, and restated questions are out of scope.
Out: 12:37
